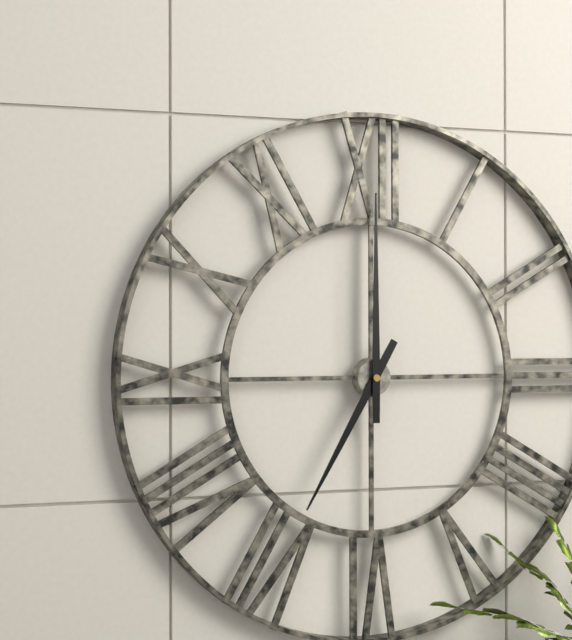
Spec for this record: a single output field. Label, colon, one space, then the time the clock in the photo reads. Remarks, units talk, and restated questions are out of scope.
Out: 7:00
